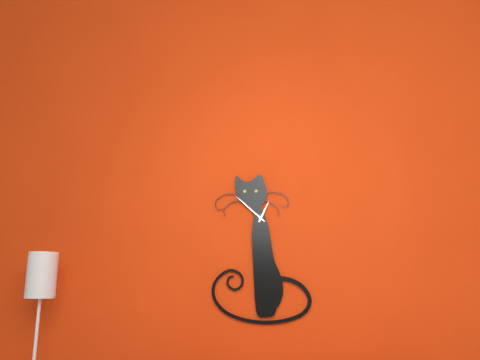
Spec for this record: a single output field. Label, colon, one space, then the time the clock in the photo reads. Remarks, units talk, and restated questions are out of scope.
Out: 12:52
